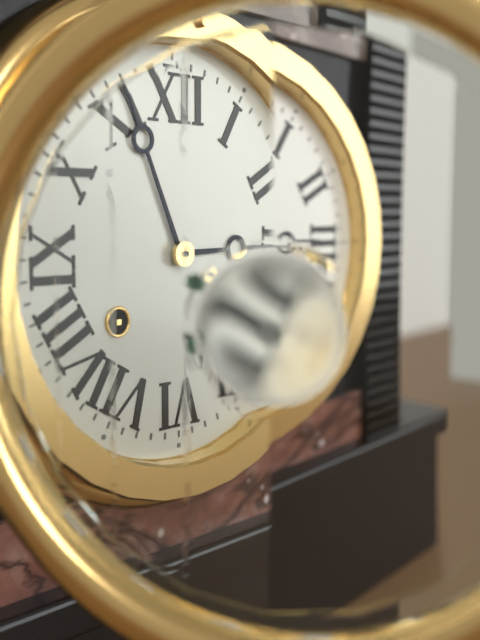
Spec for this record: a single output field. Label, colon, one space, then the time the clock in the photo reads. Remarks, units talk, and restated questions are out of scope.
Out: 2:56
